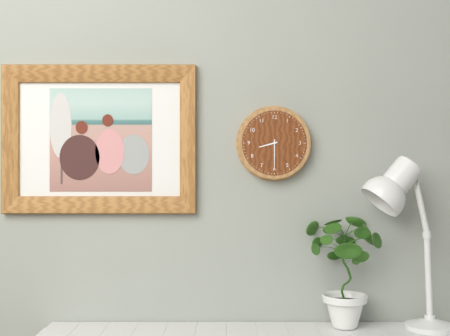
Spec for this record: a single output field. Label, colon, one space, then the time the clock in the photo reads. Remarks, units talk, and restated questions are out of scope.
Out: 8:30
